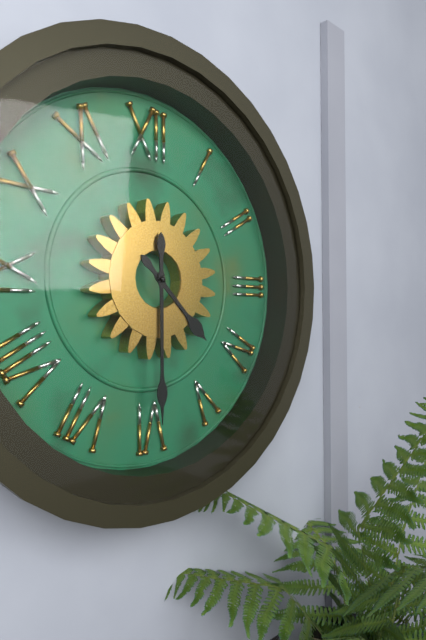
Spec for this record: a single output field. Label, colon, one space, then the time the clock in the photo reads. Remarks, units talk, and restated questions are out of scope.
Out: 4:30
